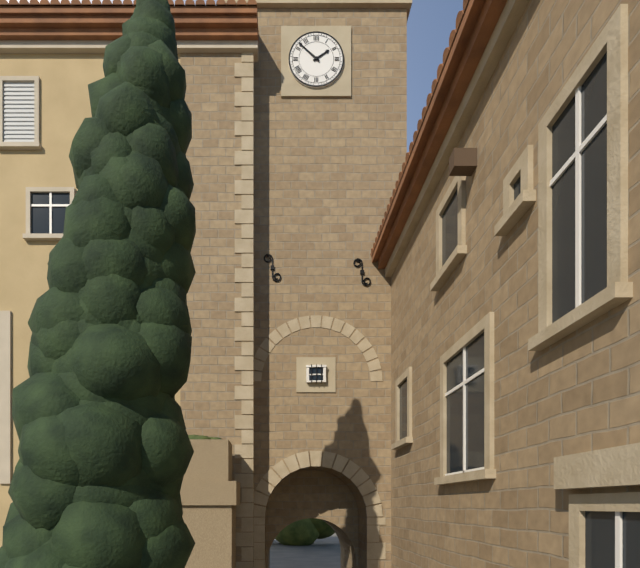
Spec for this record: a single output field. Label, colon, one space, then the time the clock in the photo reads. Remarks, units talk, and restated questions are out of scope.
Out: 1:52
